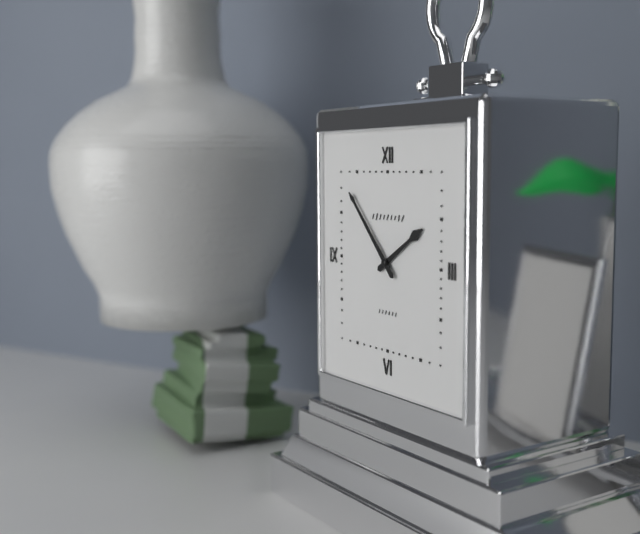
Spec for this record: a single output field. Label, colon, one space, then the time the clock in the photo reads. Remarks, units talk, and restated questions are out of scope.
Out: 1:53
